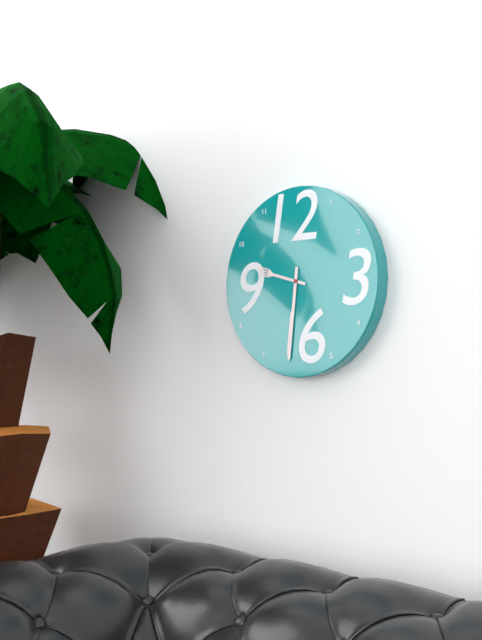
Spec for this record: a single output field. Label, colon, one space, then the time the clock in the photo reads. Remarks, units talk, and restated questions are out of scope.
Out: 9:31
